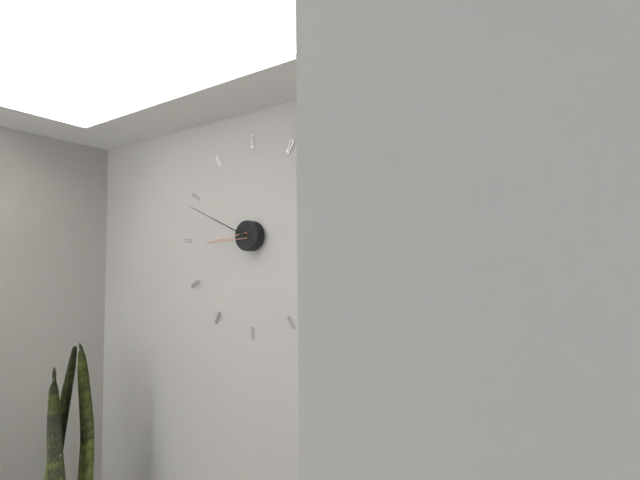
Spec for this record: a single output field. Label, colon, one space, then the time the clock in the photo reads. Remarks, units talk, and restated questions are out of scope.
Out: 8:49
